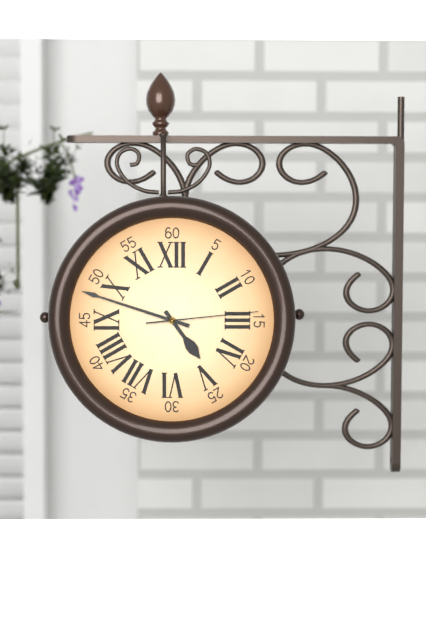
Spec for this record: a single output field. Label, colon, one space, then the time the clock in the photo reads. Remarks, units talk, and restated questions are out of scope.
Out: 4:48:14
